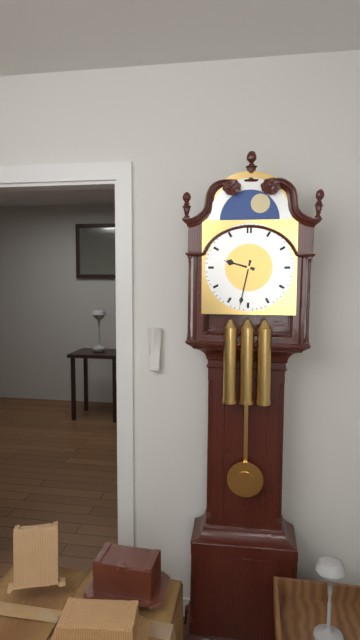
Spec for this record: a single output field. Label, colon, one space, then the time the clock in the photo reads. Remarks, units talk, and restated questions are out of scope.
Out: 9:32
